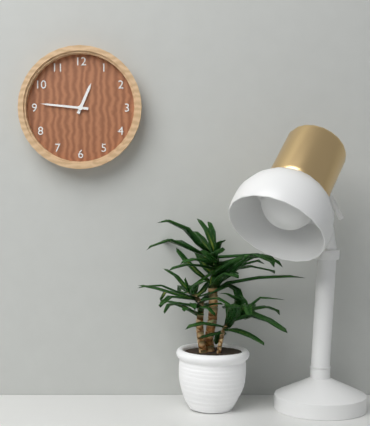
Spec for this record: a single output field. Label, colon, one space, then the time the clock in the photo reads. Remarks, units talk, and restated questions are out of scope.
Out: 12:46
